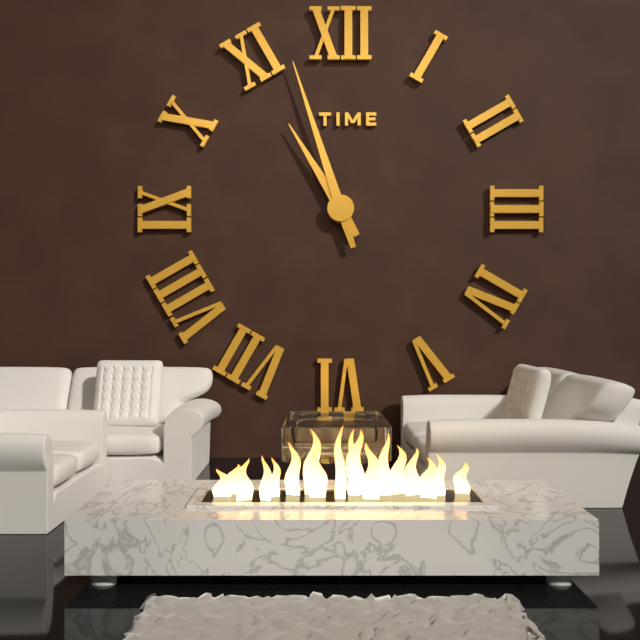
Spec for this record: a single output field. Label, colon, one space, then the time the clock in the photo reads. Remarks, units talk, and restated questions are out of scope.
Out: 10:57
